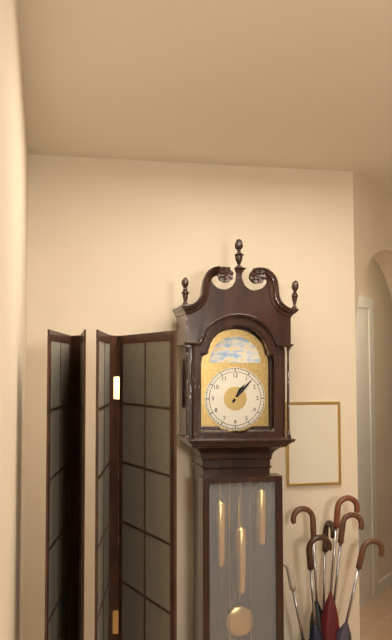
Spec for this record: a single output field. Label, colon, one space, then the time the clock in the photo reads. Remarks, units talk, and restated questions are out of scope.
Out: 1:07
